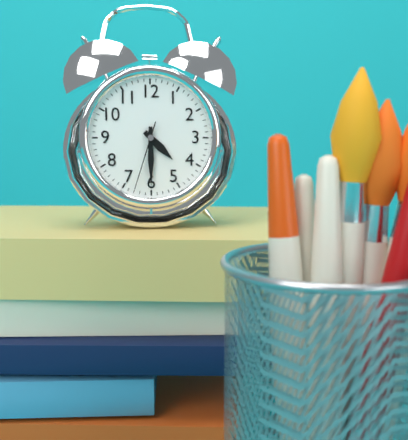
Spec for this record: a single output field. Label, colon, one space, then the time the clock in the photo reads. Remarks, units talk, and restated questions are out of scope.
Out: 4:30:33
